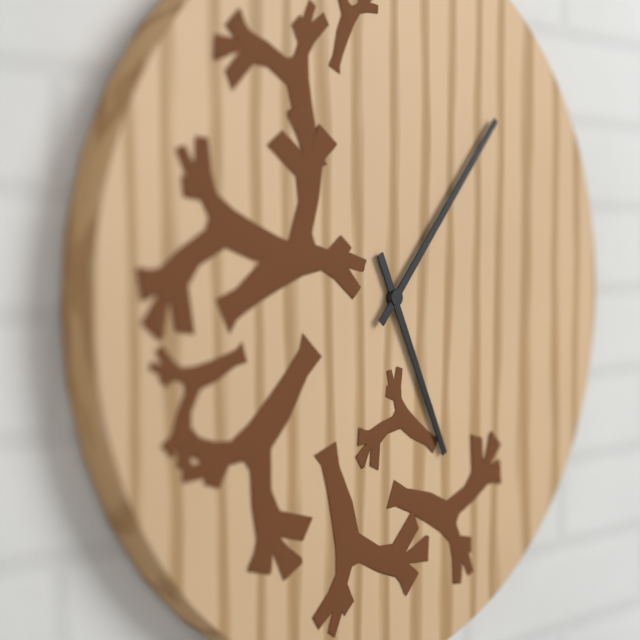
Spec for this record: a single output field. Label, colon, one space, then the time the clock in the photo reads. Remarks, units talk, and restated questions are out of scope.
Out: 5:07
